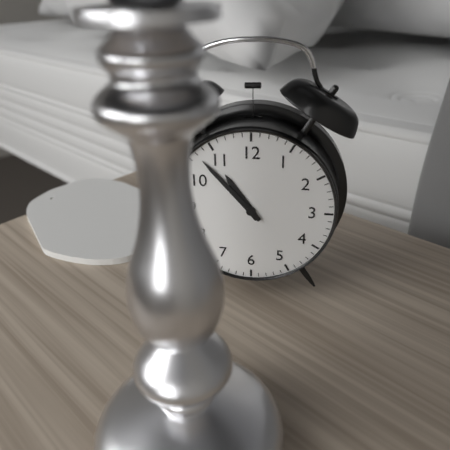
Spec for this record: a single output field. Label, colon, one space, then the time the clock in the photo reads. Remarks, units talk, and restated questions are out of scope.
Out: 10:53
